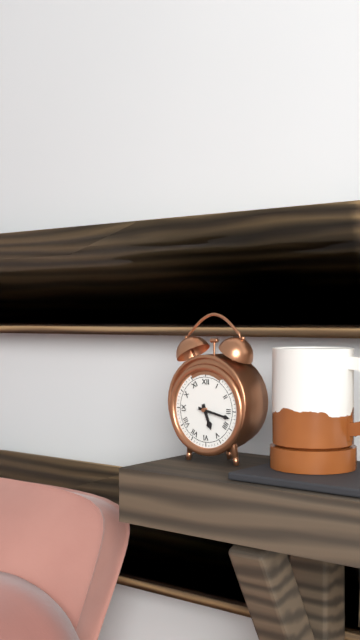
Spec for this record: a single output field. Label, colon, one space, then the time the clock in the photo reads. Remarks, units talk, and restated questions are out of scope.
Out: 5:17
